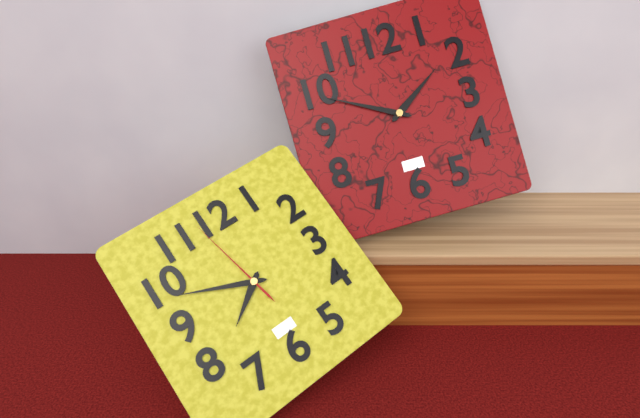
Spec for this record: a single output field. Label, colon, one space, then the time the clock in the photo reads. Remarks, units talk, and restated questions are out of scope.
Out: 7:49:58
